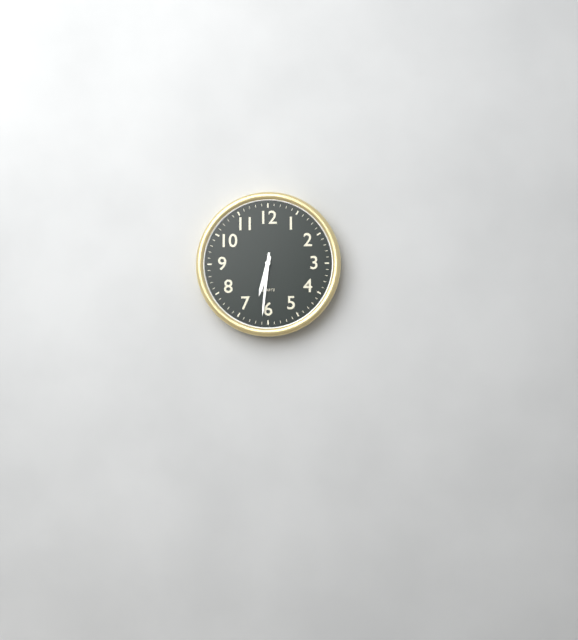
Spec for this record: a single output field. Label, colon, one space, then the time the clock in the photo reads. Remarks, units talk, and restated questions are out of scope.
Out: 6:31
